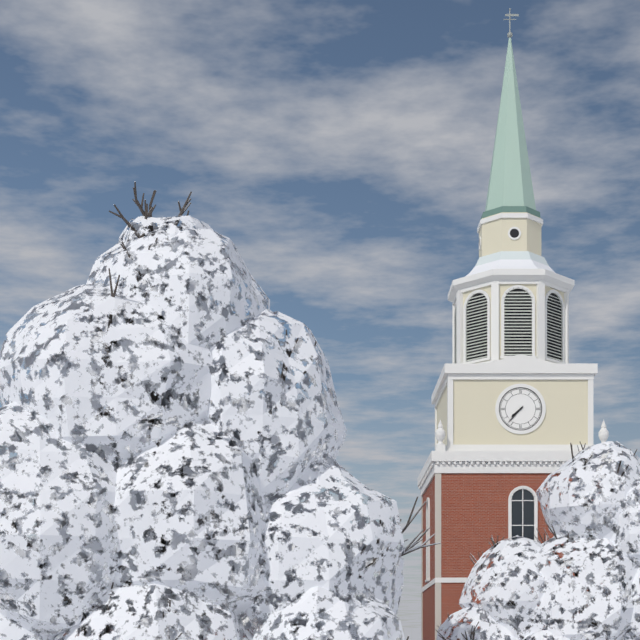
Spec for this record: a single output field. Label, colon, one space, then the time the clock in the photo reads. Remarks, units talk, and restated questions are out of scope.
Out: 7:37
